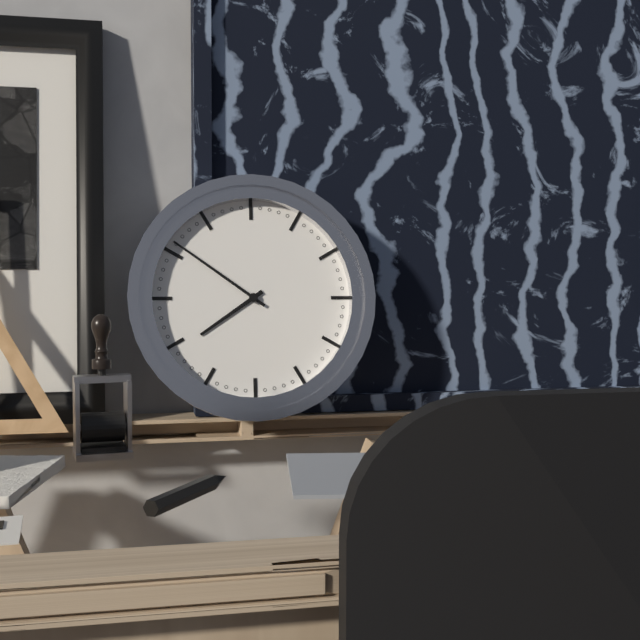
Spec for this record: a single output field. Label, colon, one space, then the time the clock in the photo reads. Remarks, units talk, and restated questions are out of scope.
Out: 7:51
